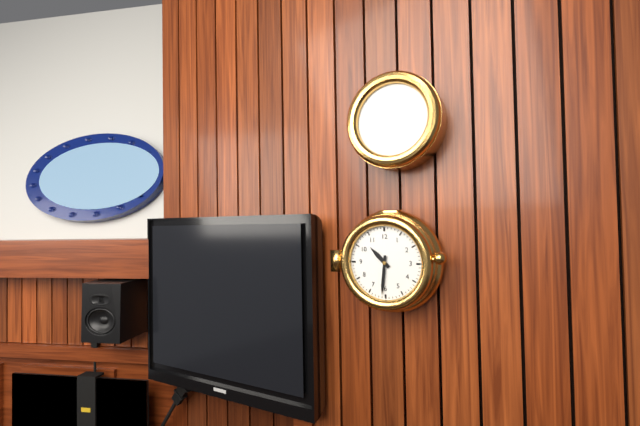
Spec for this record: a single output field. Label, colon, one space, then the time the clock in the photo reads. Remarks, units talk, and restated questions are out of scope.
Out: 10:31
